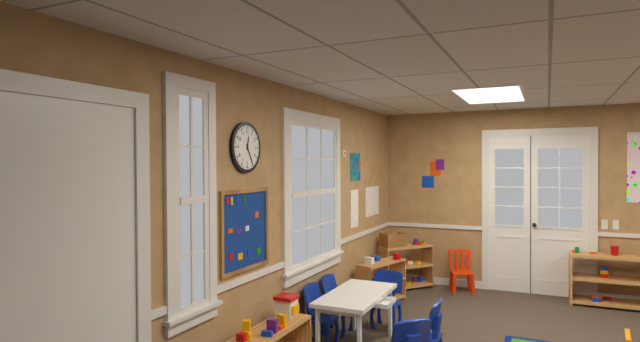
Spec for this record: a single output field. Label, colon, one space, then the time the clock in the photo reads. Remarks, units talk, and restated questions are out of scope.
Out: 12:25
